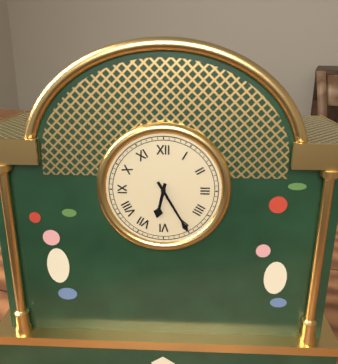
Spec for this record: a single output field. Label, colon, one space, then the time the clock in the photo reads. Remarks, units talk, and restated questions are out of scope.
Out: 6:25
